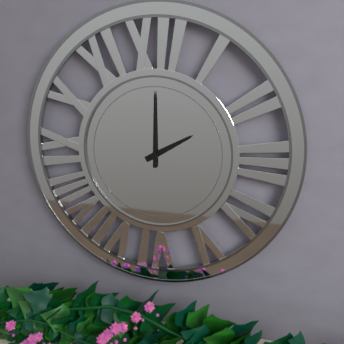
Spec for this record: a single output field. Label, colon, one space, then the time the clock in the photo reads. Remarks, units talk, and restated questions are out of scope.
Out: 2:00
